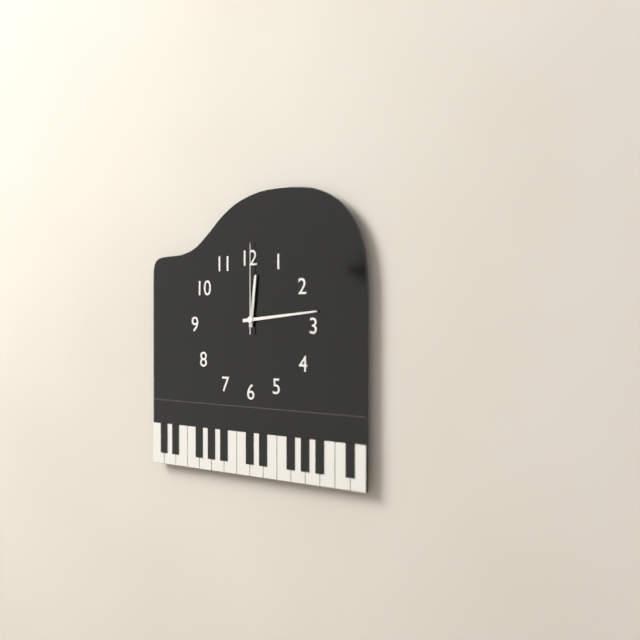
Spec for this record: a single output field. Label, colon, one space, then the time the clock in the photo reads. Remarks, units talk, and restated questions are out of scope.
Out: 12:14:00
